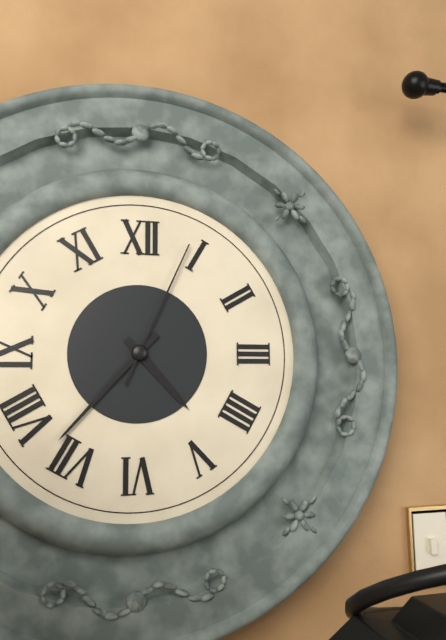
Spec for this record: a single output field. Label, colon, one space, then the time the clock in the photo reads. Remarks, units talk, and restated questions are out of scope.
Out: 4:37:04
